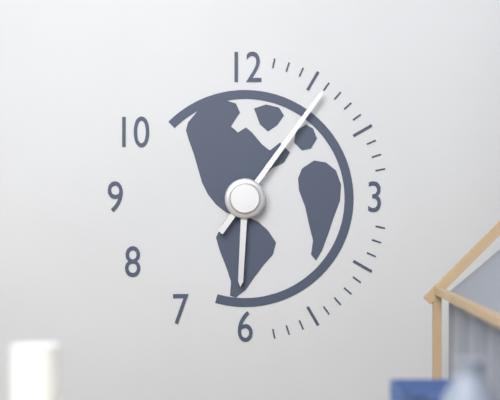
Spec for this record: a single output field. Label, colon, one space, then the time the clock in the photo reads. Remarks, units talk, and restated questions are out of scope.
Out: 6:06
